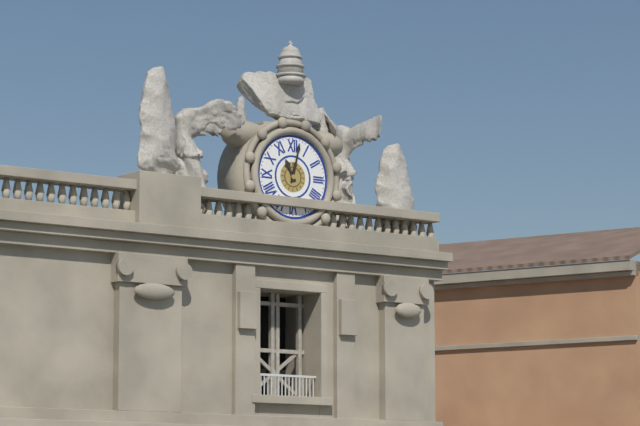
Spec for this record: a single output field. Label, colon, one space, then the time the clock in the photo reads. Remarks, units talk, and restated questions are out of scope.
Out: 11:02
